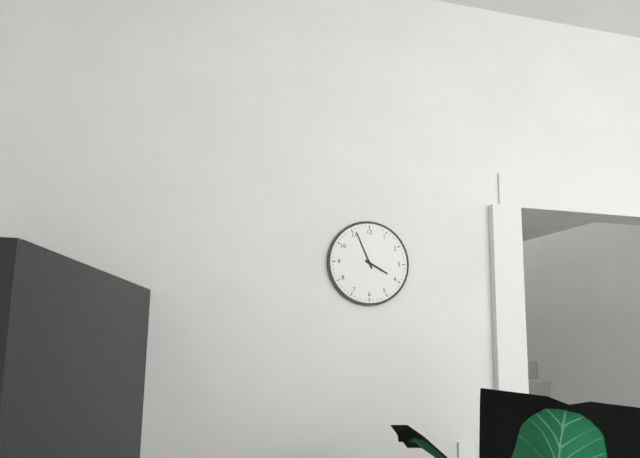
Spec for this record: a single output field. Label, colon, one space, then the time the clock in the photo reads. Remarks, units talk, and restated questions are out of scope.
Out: 3:56
